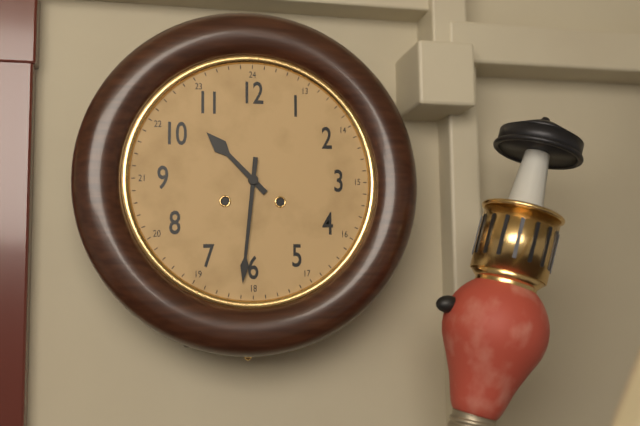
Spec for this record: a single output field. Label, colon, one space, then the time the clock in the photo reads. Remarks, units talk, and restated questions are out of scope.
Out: 10:31
